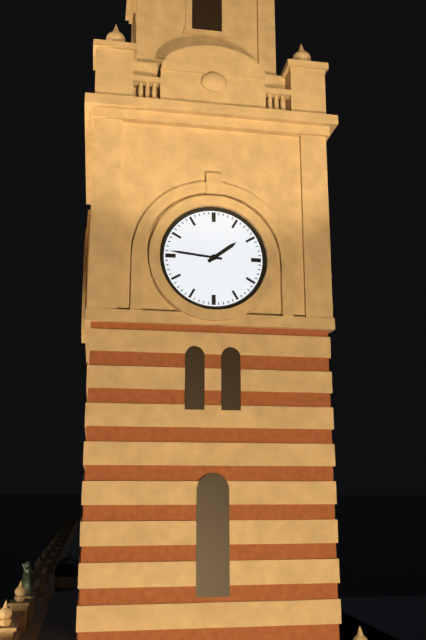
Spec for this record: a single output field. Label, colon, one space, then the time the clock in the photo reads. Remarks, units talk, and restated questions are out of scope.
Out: 1:46
